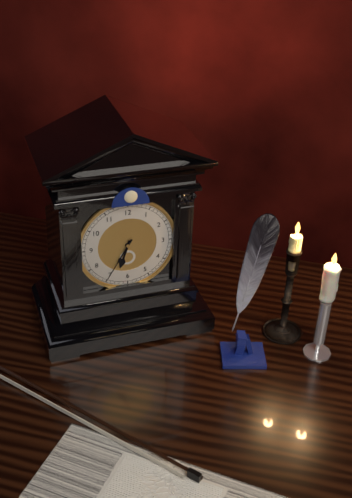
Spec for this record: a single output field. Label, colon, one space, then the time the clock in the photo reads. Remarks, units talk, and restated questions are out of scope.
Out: 6:35
